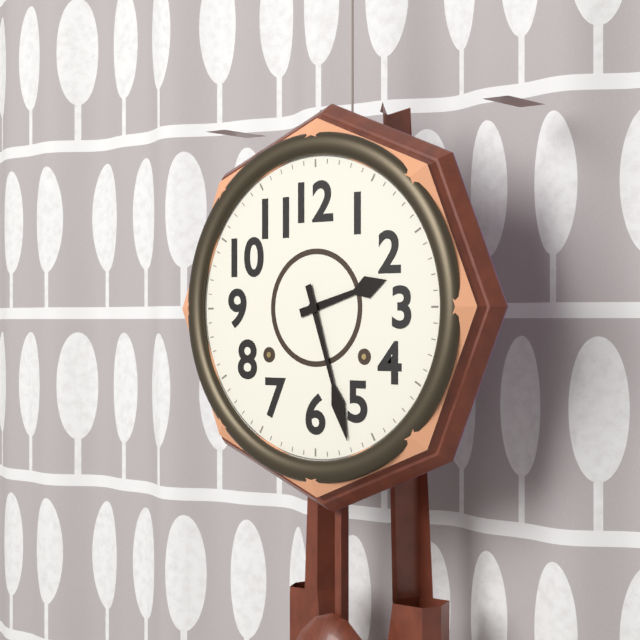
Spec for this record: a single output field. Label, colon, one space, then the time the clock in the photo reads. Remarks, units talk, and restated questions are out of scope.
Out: 2:27
